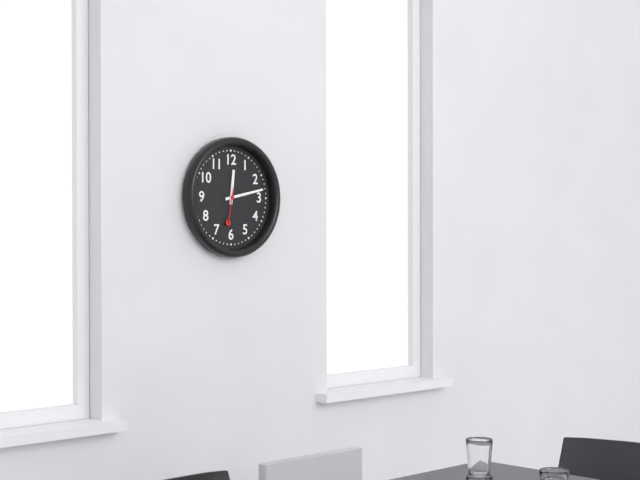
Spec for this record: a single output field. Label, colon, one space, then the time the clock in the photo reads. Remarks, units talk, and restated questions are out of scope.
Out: 12:13
